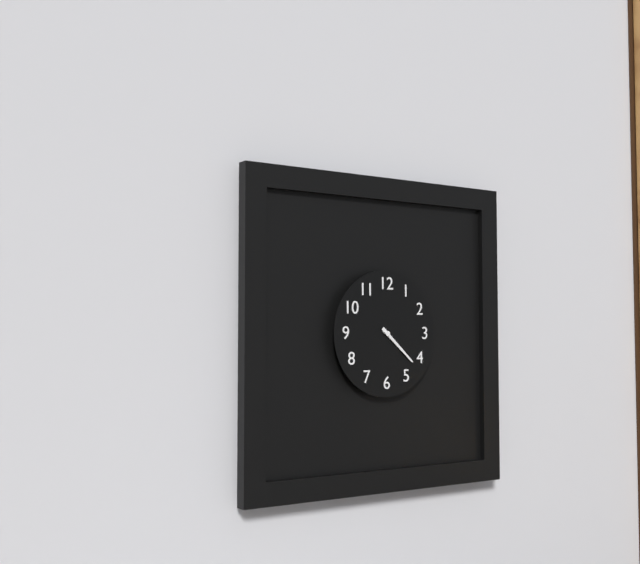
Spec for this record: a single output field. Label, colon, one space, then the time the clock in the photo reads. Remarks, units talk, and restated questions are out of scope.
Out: 4:22
